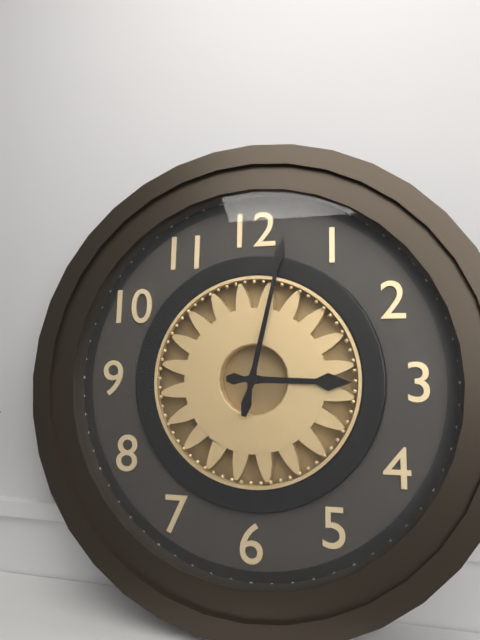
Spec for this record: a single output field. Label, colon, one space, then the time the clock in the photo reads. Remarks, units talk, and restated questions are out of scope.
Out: 3:02
